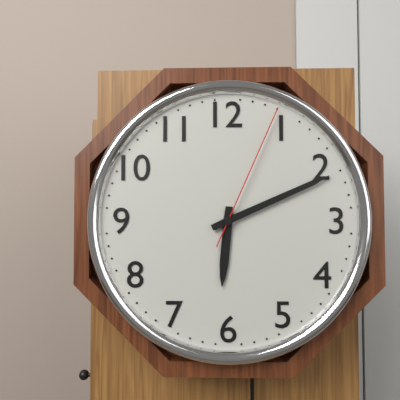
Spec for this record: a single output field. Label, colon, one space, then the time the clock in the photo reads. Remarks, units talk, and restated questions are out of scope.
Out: 6:11:04
